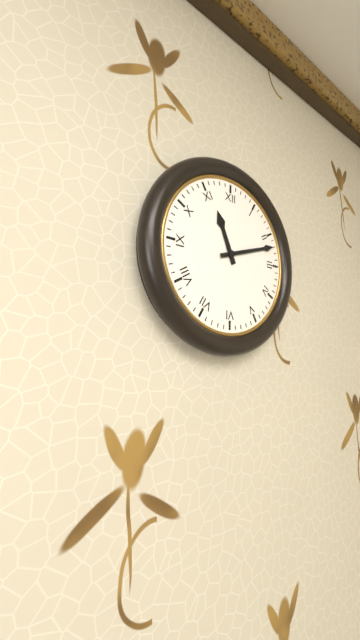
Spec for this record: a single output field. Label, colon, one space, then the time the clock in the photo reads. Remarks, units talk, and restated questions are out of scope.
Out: 11:12
